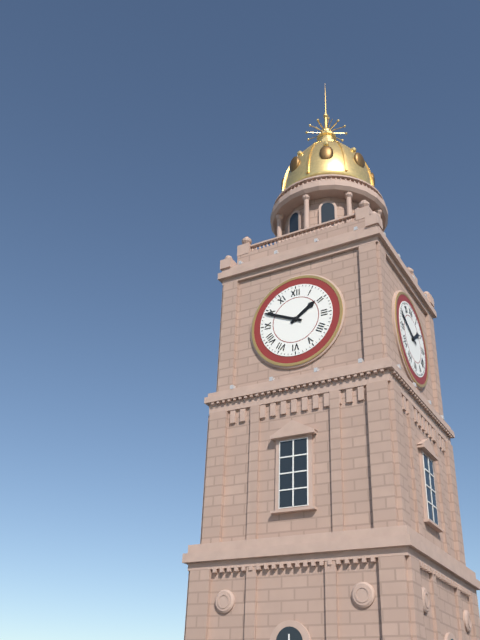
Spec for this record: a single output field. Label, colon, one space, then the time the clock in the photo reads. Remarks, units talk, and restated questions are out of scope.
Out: 1:49
